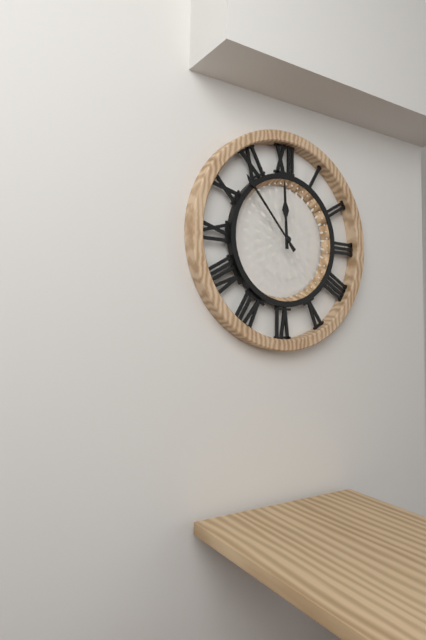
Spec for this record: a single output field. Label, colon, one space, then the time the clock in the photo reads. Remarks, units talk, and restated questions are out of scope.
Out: 11:53
